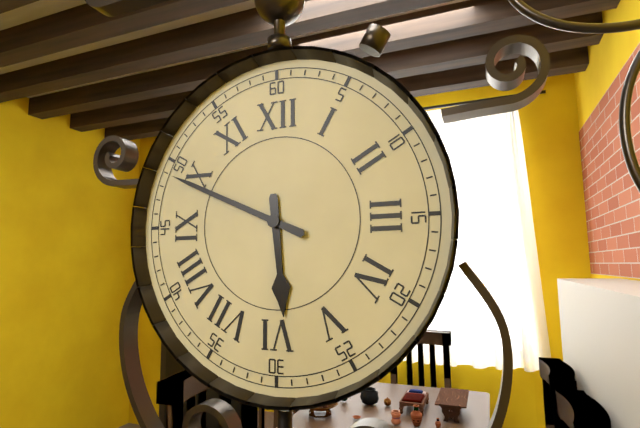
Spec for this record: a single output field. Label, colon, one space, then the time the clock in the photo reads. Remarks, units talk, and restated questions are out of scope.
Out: 5:49
